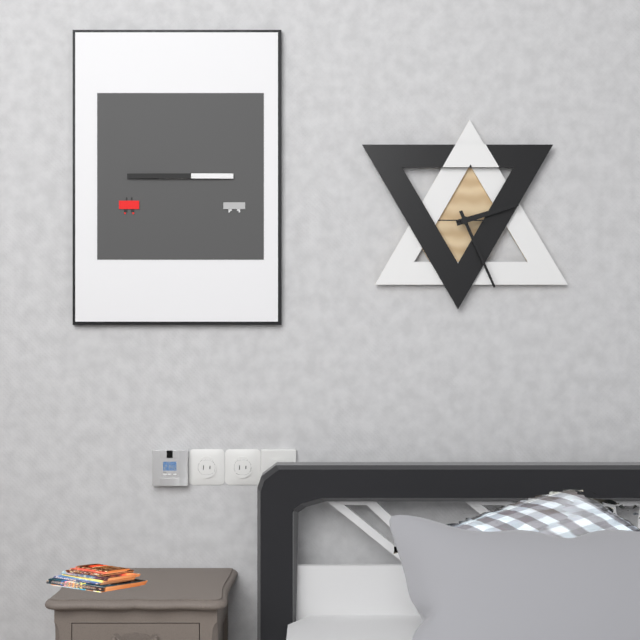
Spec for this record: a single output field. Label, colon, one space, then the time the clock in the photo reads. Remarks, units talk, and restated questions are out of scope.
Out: 2:26
